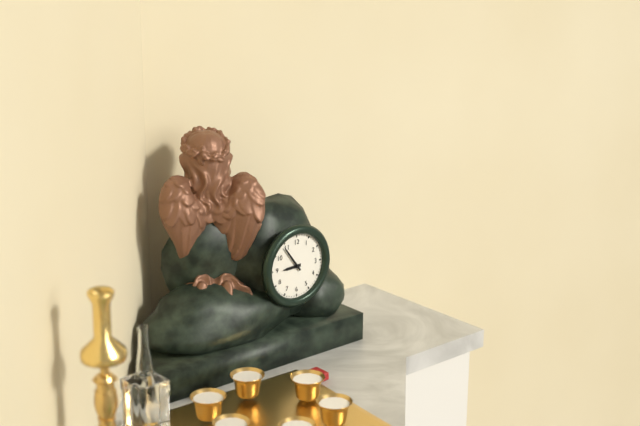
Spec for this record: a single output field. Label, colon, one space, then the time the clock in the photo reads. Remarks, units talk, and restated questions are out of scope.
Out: 8:54
